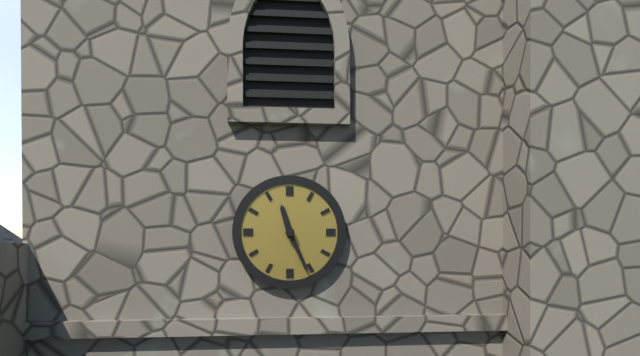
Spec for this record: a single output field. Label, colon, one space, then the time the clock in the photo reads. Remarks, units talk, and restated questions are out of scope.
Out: 11:26
